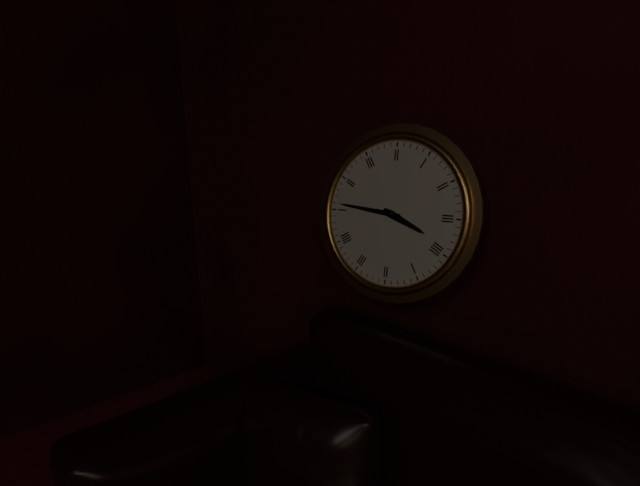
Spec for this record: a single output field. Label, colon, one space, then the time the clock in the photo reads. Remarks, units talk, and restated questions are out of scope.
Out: 3:46
